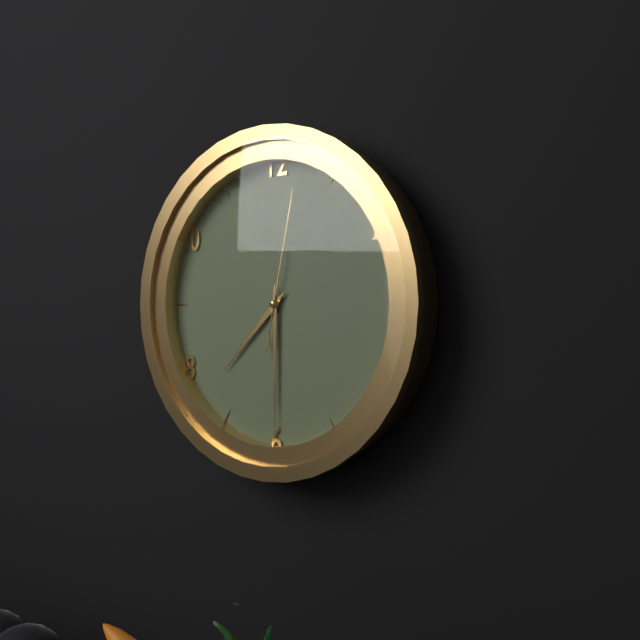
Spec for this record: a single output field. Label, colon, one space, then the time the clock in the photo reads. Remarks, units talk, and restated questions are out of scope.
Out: 7:30:02
